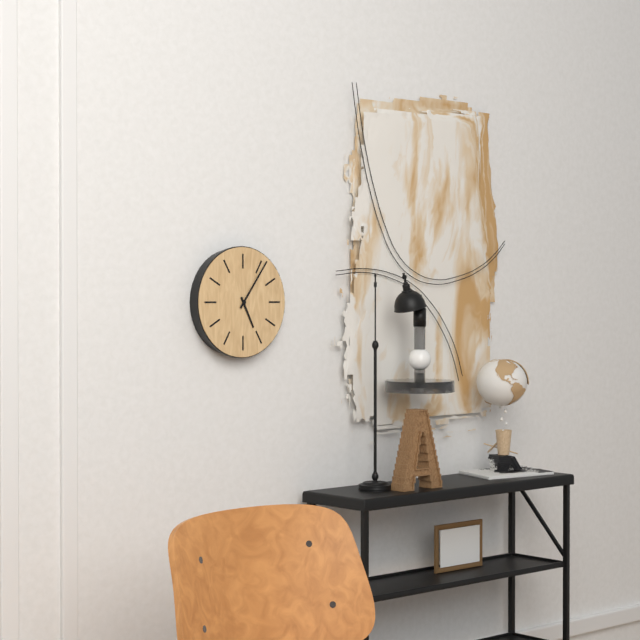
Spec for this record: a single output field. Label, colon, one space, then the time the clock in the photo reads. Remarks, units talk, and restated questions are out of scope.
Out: 5:06
